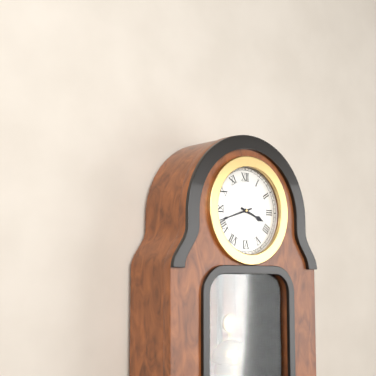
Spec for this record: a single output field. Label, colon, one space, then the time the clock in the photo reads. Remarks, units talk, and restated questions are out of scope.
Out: 3:42
